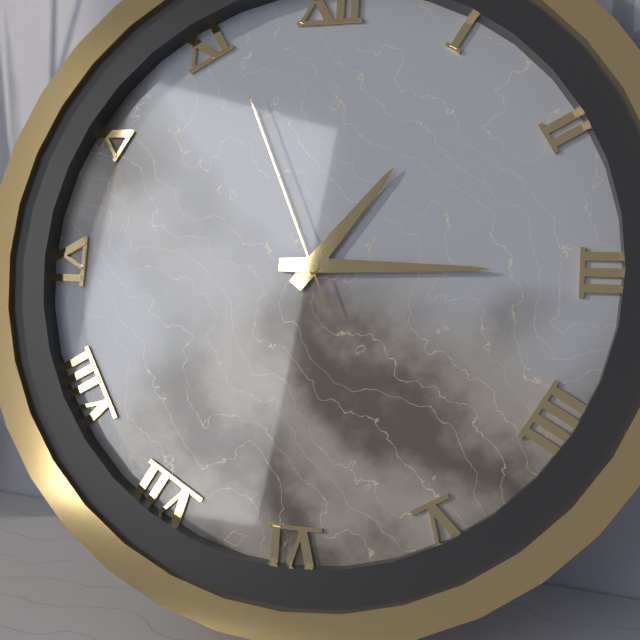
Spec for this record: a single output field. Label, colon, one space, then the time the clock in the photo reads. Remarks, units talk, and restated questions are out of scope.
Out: 1:15:56
